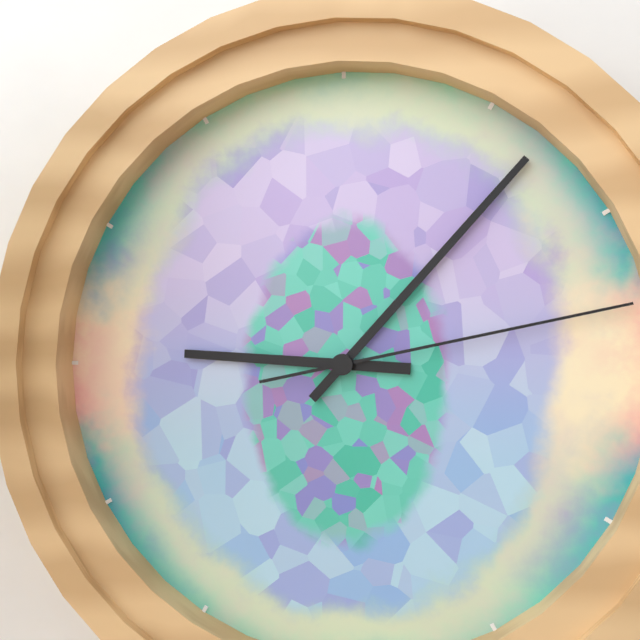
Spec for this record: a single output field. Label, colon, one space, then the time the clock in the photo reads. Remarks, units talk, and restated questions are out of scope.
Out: 9:07:13
